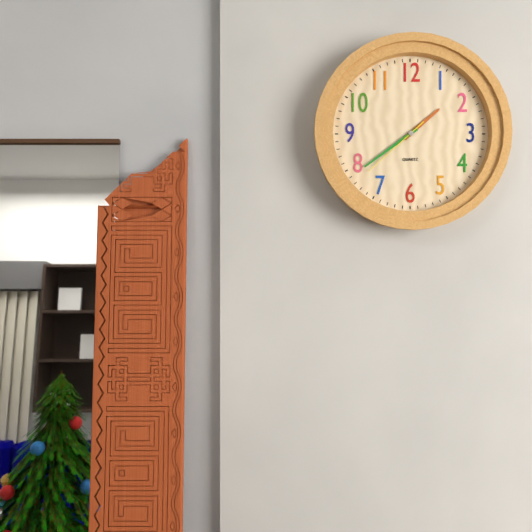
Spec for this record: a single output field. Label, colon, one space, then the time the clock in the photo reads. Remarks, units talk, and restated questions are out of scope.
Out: 1:39:38
